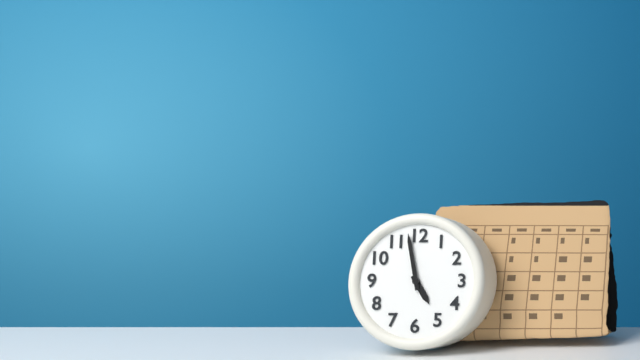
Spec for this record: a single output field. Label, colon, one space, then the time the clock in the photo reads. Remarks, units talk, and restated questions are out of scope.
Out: 4:58
